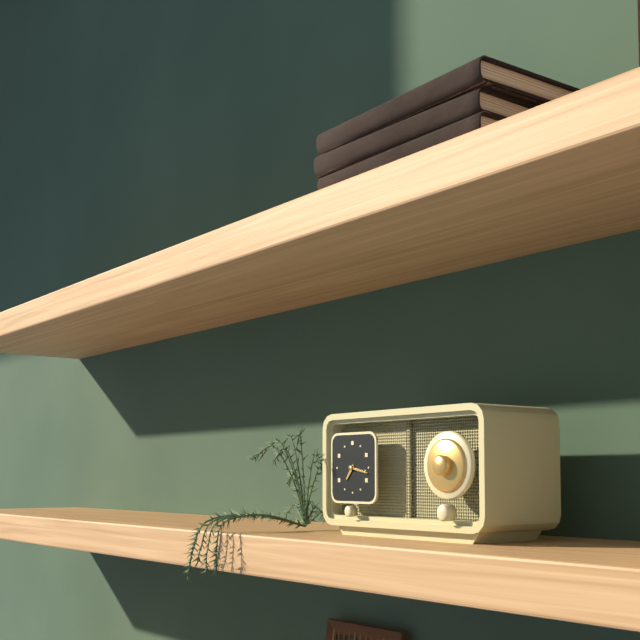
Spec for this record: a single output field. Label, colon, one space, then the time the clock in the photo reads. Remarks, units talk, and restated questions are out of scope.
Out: 7:17
